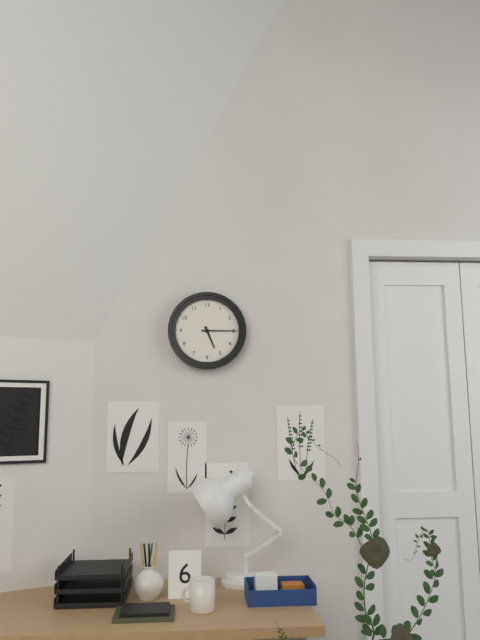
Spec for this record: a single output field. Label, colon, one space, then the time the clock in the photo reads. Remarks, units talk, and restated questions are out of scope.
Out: 5:15
